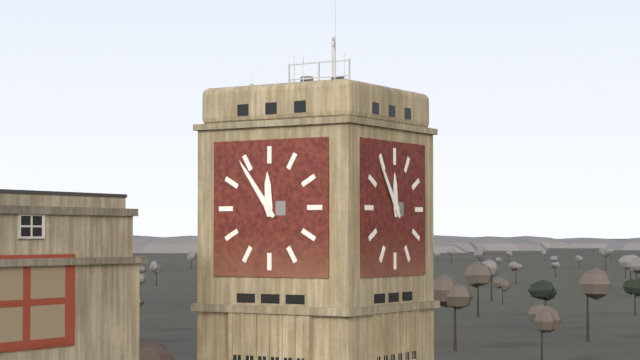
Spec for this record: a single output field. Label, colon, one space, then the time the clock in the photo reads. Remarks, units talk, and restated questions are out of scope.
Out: 11:54
